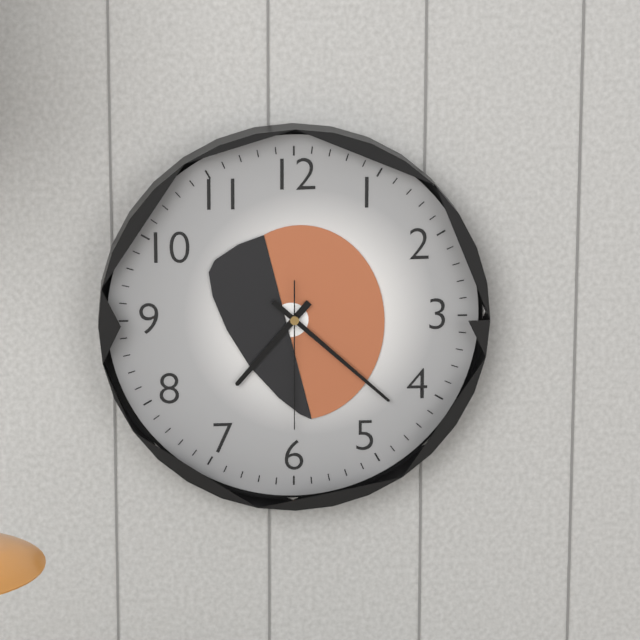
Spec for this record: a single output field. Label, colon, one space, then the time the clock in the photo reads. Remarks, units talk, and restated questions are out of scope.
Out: 7:22:30
